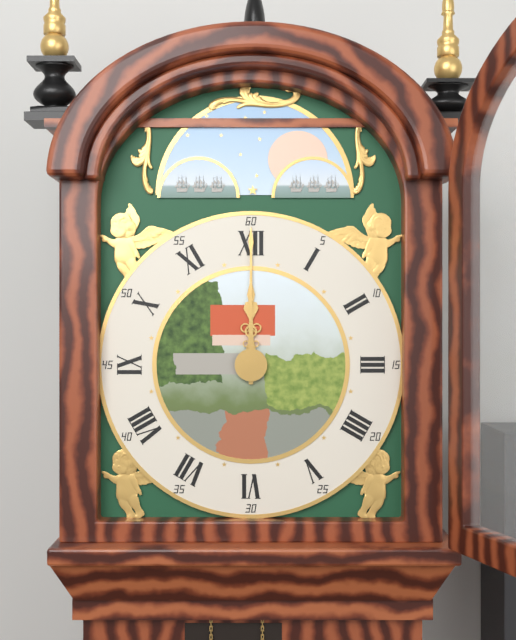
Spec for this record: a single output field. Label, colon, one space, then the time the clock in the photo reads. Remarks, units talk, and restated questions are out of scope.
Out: 12:00
